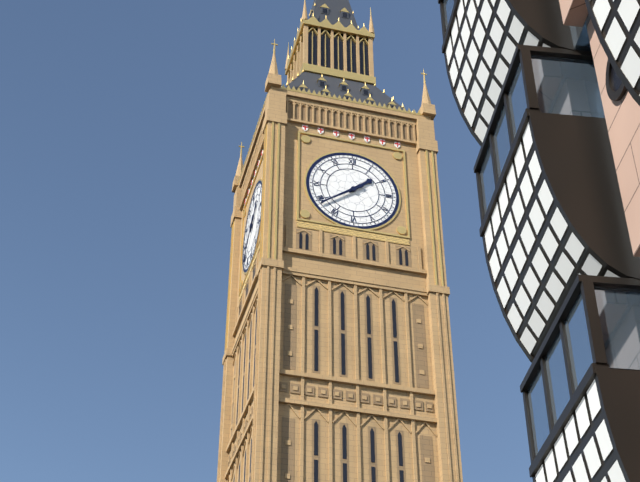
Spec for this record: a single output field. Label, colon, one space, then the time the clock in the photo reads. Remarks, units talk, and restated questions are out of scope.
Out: 1:39
